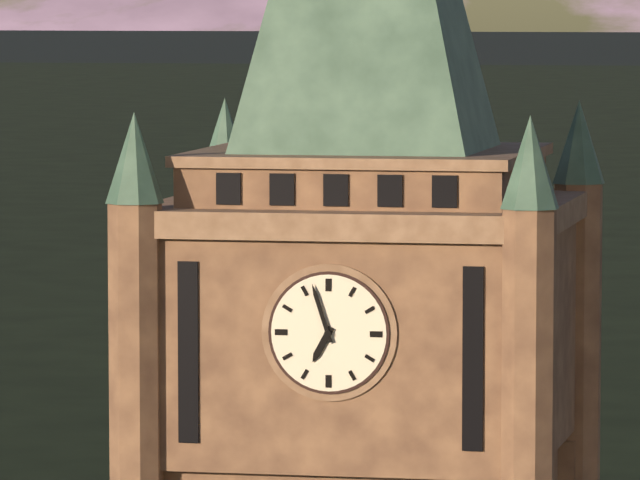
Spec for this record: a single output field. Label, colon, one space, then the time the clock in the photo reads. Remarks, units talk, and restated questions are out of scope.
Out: 6:57
